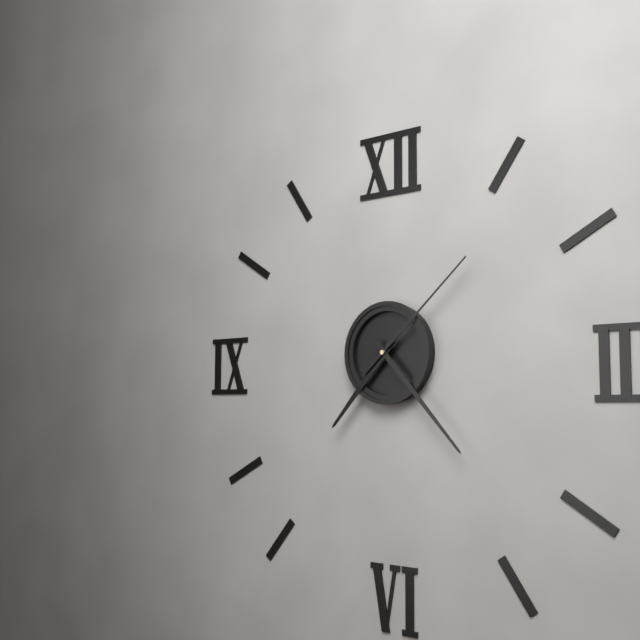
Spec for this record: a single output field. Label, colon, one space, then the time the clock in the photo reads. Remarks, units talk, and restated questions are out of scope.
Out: 7:23:08
